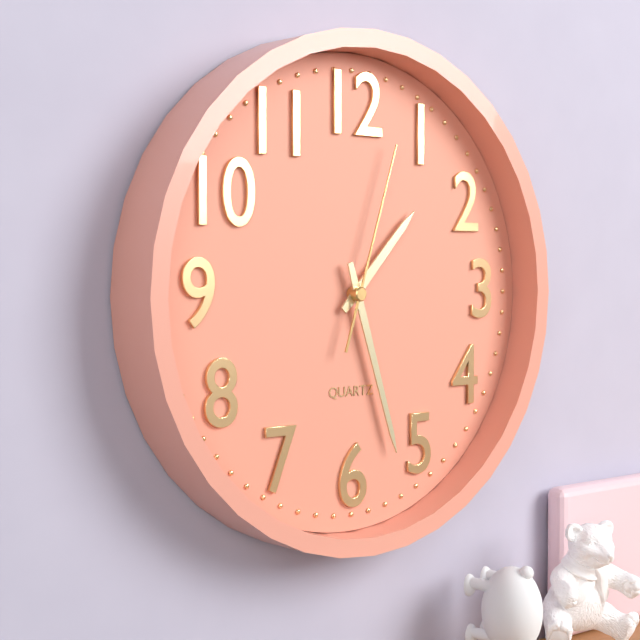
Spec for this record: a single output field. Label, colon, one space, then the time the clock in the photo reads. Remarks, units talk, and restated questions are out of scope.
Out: 1:27:03
